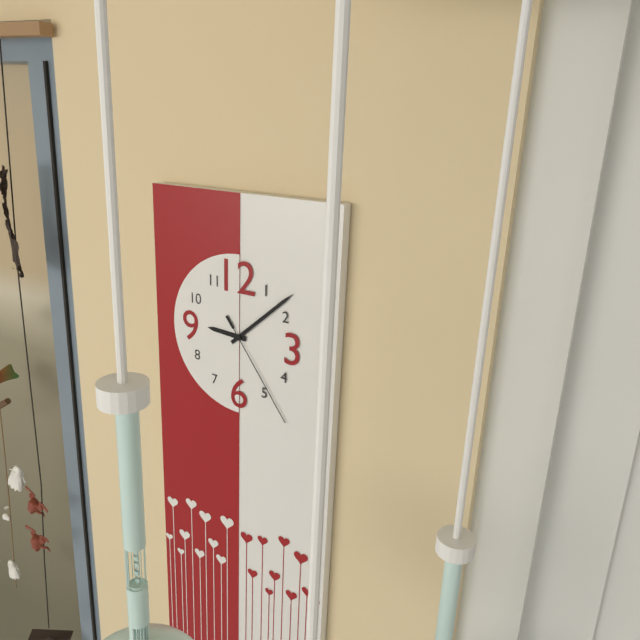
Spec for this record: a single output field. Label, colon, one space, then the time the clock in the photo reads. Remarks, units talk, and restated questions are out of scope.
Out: 9:08:24
